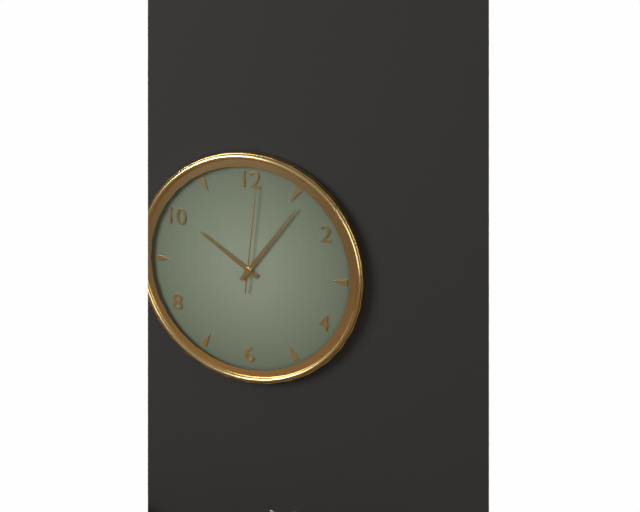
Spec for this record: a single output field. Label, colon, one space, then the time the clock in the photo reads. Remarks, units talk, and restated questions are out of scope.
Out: 10:06:01
